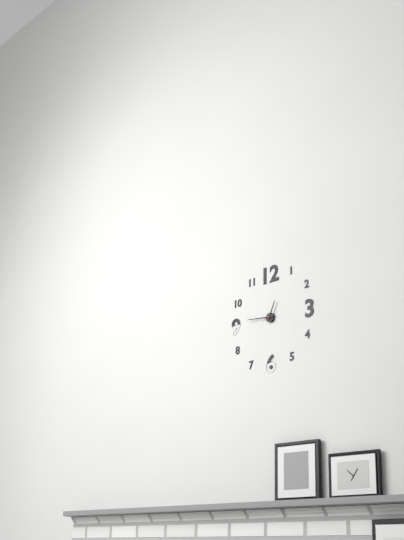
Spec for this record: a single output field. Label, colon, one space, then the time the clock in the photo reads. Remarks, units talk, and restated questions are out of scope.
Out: 12:46
